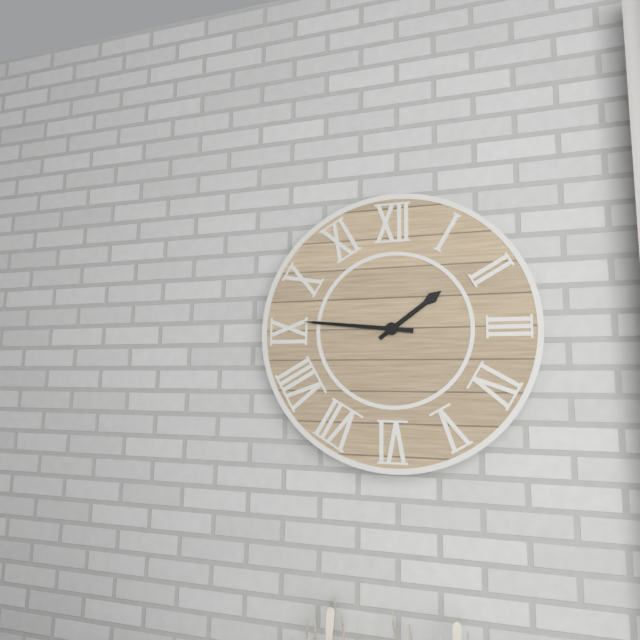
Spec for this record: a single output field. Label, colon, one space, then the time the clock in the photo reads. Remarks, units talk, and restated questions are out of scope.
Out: 1:46
